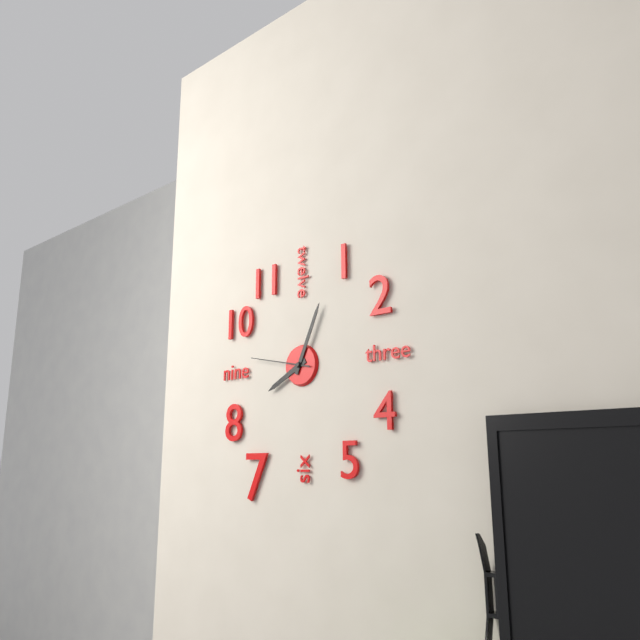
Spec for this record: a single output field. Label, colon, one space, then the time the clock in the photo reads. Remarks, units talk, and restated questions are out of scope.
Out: 8:04:47
